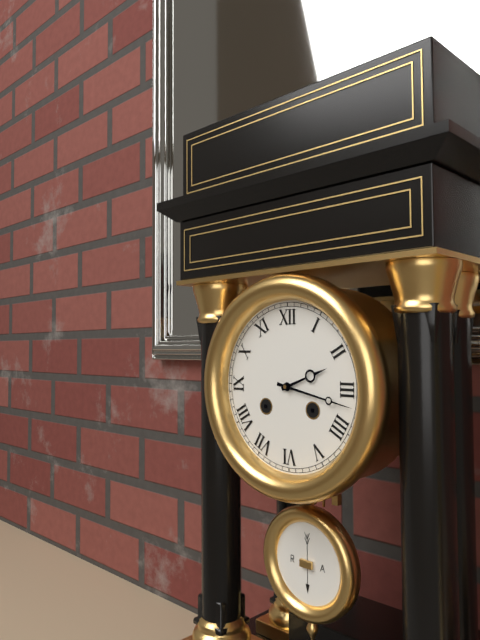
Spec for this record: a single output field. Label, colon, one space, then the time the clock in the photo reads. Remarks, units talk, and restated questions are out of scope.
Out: 2:17
